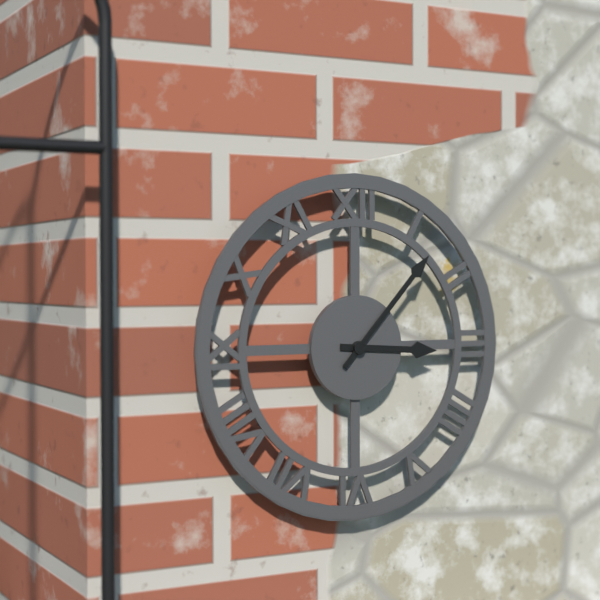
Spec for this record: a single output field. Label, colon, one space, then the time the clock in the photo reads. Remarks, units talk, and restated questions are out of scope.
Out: 3:07
